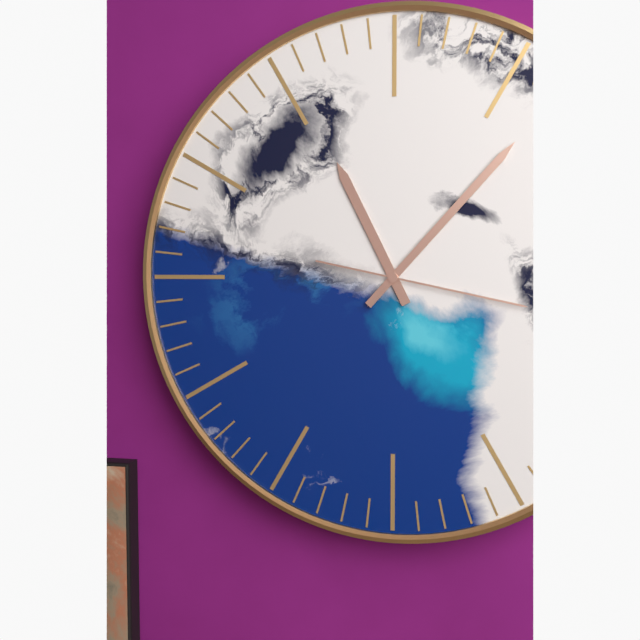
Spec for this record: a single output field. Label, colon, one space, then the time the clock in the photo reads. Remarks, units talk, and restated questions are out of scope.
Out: 11:07:17
